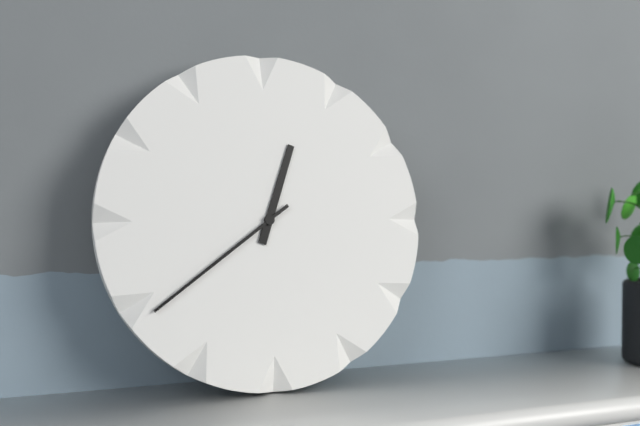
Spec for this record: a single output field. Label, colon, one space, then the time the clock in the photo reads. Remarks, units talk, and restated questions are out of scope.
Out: 12:39
